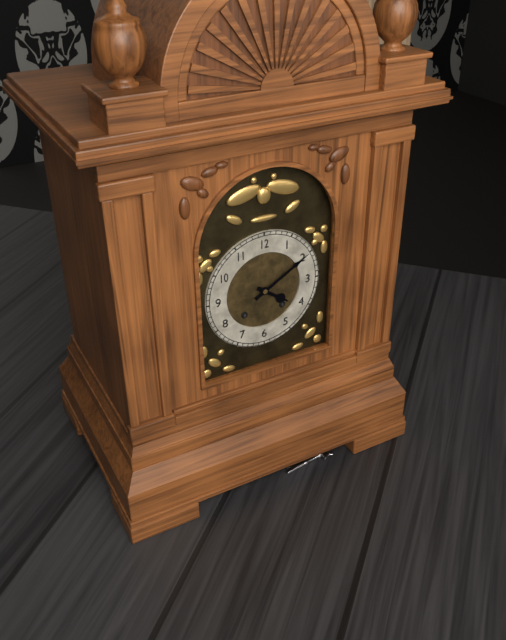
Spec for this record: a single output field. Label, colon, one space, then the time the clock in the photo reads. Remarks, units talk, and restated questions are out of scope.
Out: 4:10
